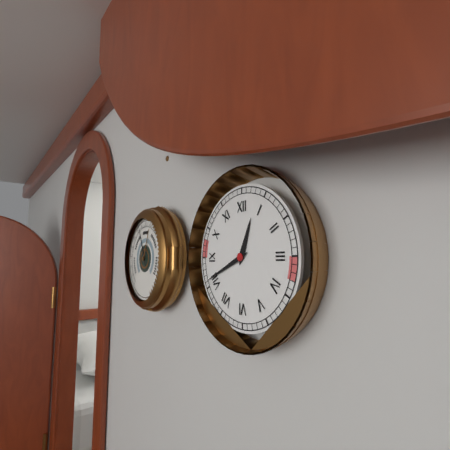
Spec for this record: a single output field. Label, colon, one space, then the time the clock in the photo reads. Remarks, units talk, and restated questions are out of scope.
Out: 12:41
